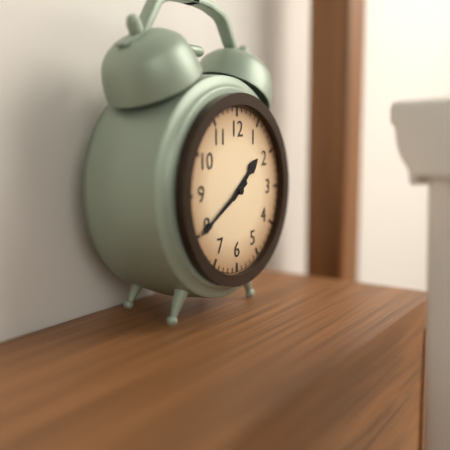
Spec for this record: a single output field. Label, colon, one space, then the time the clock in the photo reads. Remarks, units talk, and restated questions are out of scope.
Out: 1:40
